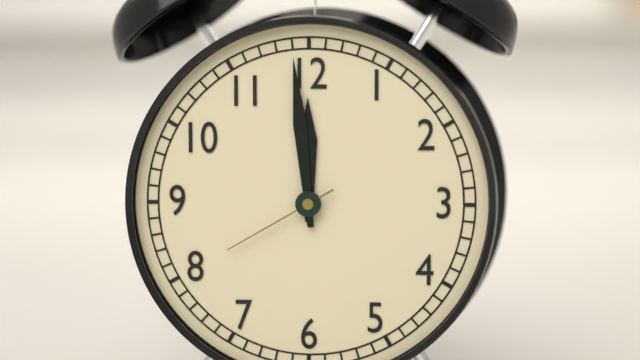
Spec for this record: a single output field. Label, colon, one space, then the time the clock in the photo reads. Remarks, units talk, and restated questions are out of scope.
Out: 11:59:40
